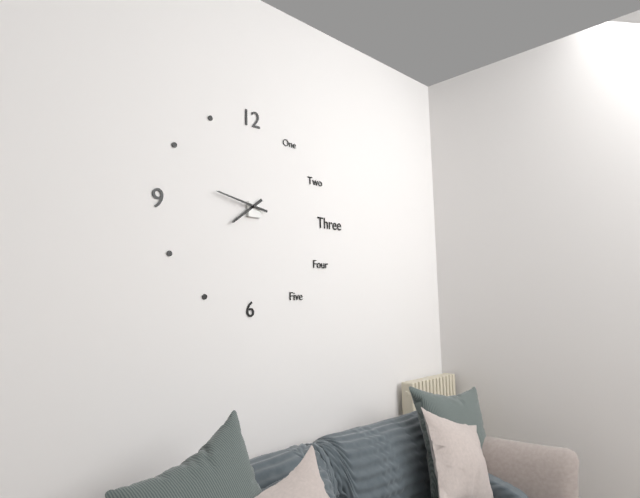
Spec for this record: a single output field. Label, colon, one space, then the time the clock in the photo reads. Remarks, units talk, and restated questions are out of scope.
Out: 7:47
